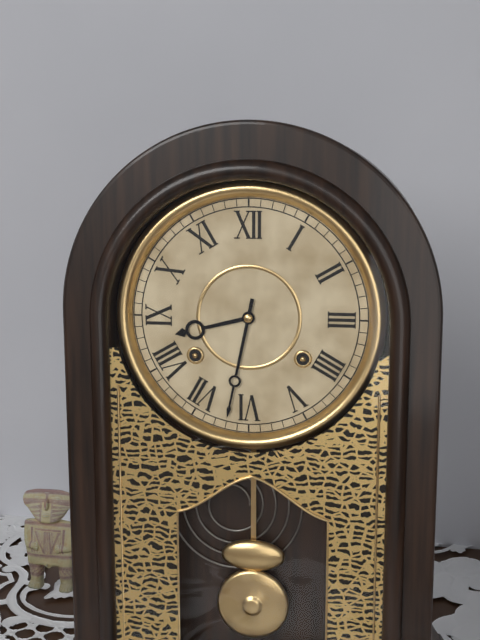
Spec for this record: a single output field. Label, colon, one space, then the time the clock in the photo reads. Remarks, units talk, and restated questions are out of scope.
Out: 8:32
